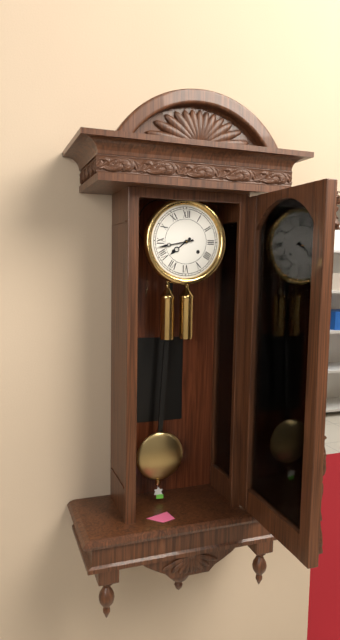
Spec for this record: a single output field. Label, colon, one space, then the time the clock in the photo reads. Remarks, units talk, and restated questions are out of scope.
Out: 7:43
